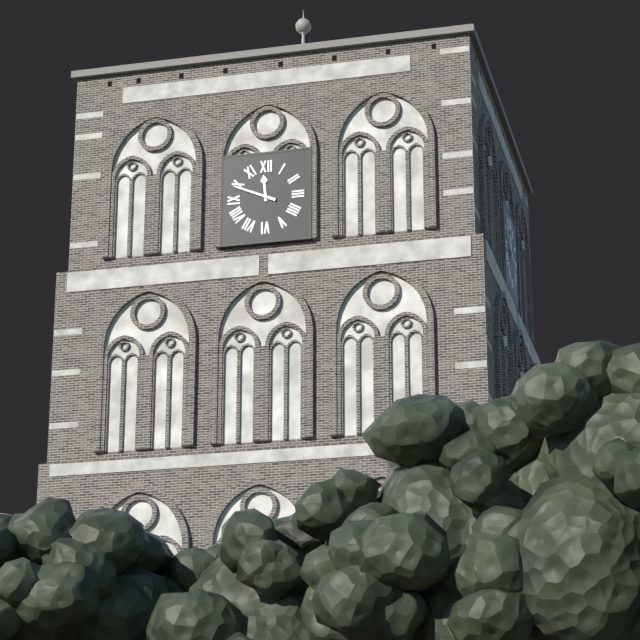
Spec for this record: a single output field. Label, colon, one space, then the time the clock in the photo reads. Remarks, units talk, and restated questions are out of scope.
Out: 11:49
